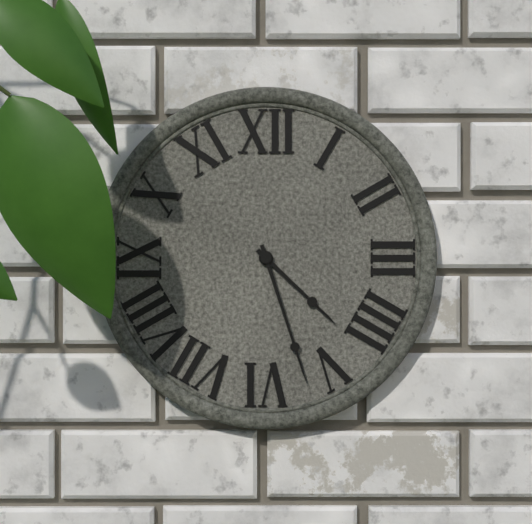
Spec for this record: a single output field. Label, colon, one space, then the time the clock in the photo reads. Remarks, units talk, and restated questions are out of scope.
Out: 4:27
